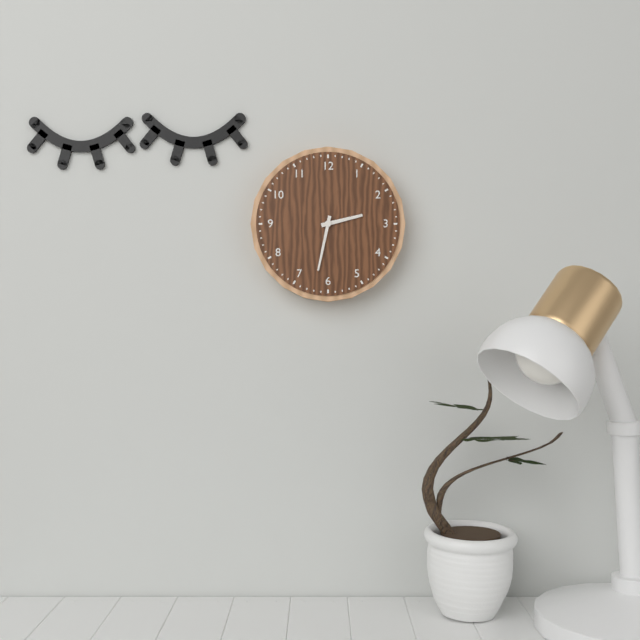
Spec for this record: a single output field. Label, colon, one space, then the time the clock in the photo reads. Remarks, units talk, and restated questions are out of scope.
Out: 2:32
